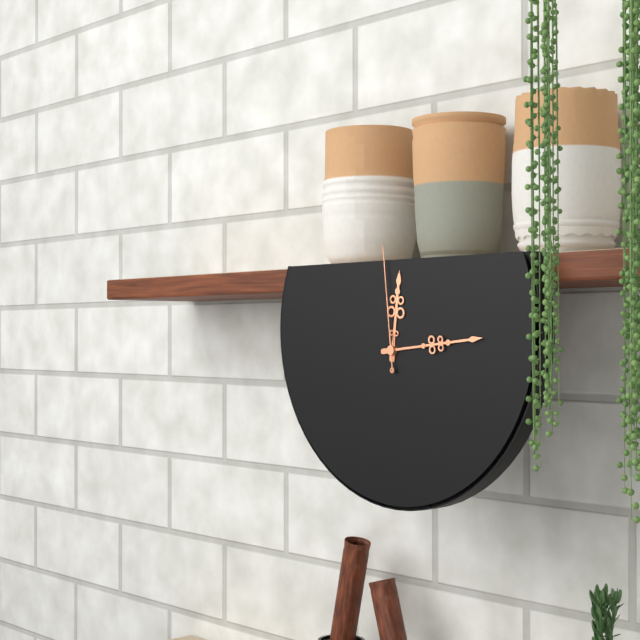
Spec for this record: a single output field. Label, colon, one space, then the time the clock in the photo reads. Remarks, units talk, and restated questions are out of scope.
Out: 12:14:59
